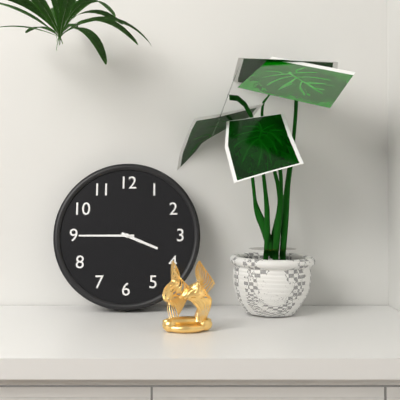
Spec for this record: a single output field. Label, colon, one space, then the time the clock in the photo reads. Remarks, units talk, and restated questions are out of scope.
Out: 3:45
